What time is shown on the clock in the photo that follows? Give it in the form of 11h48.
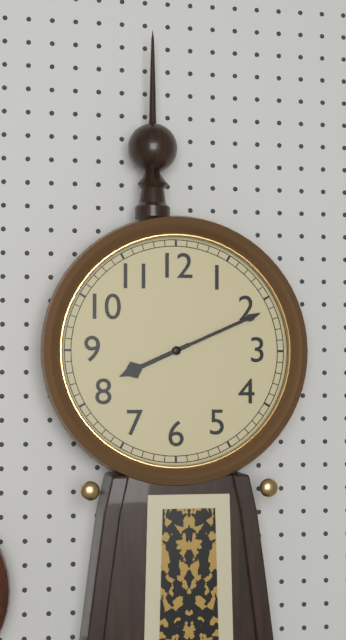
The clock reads 8h11
